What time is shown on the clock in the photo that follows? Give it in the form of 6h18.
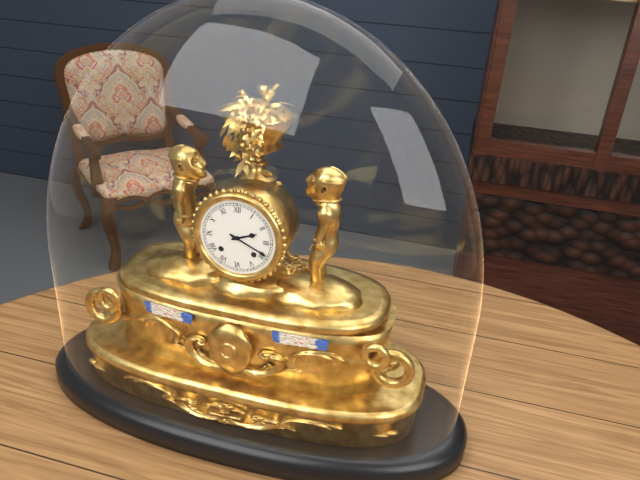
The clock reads 2h19
